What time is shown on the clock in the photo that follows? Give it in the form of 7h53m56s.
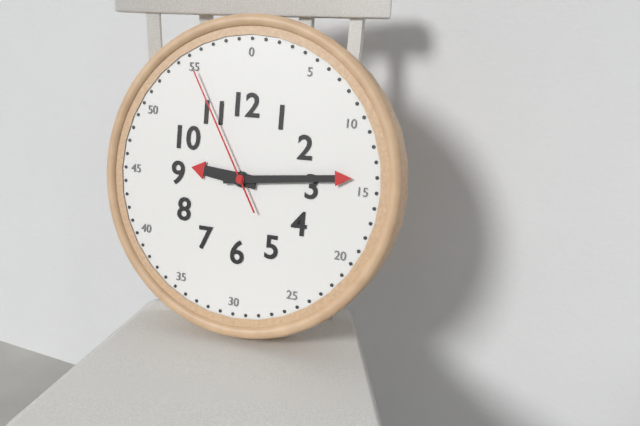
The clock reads 9h14m55s
